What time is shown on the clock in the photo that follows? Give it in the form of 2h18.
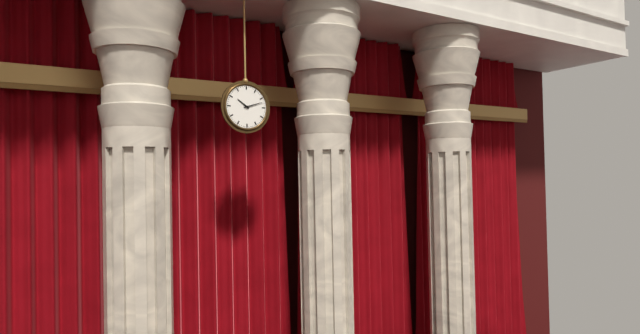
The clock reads 10h12
